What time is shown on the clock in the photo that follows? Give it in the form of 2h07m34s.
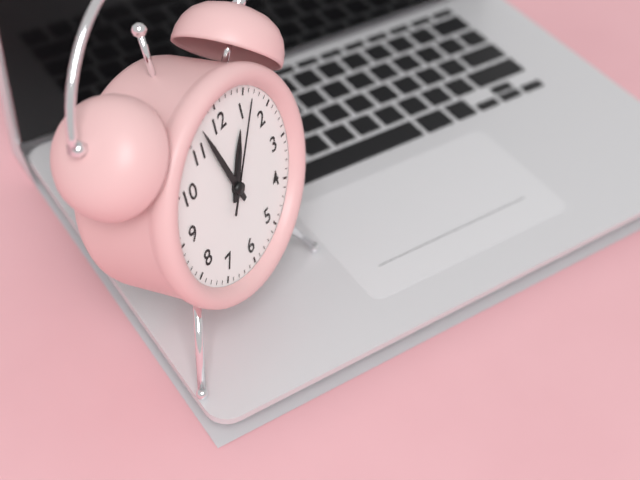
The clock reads 12h57m06s
